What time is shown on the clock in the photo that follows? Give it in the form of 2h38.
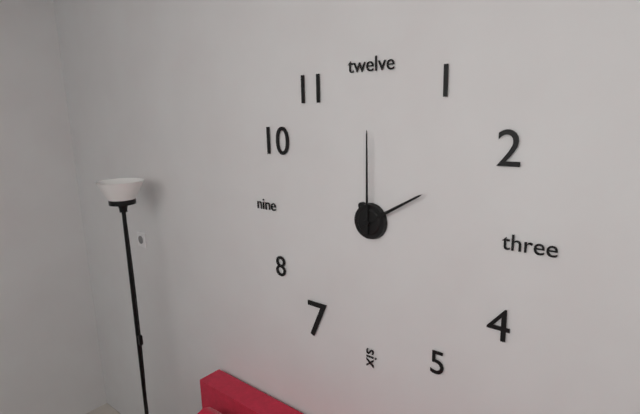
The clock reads 2h00
